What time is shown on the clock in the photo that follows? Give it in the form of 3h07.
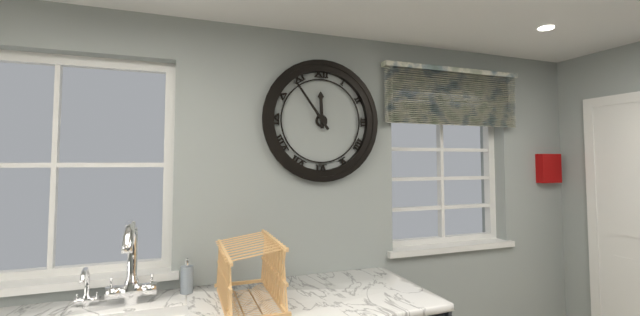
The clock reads 11h54
